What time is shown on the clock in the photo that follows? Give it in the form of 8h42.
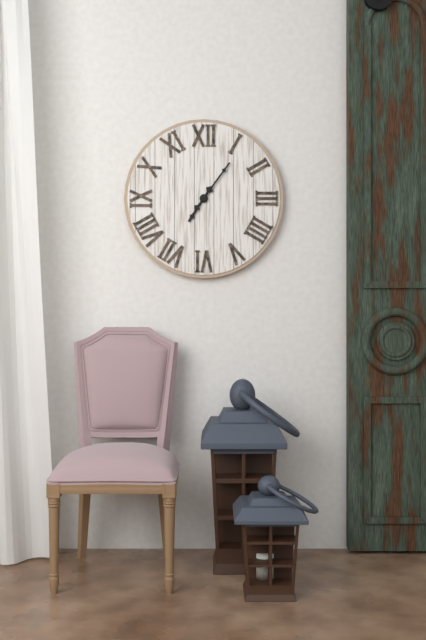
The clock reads 7h06
